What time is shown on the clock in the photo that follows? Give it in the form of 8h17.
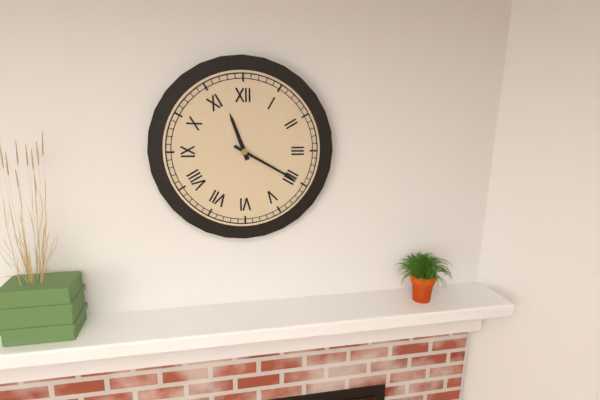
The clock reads 11h20
